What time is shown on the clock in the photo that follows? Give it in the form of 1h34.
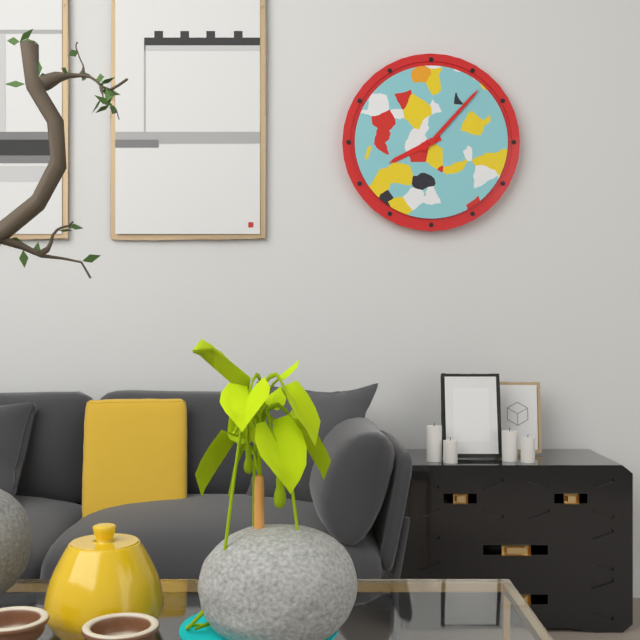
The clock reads 8h07
